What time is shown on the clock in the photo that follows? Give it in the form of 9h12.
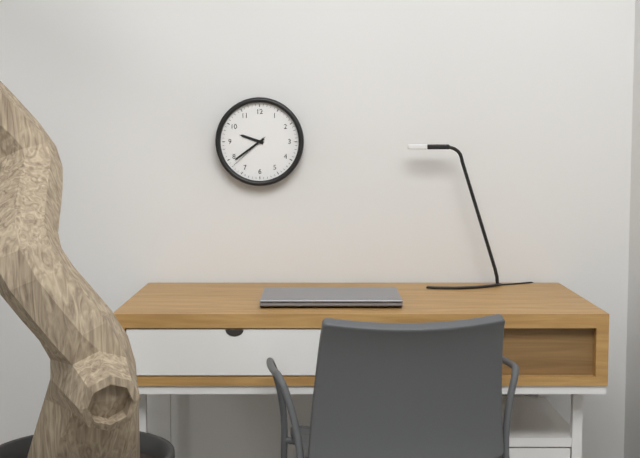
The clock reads 9h39
